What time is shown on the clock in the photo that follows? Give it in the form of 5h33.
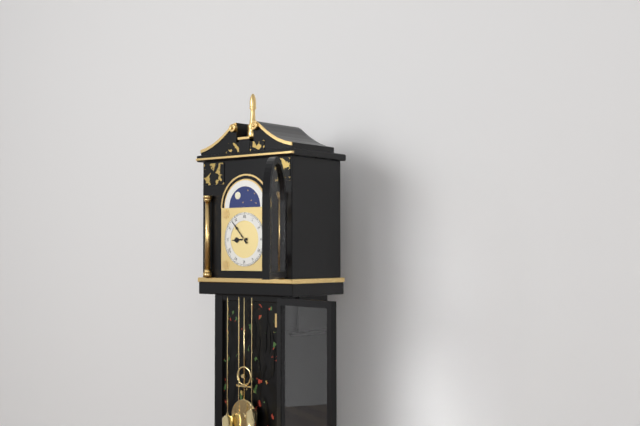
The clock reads 8h53
